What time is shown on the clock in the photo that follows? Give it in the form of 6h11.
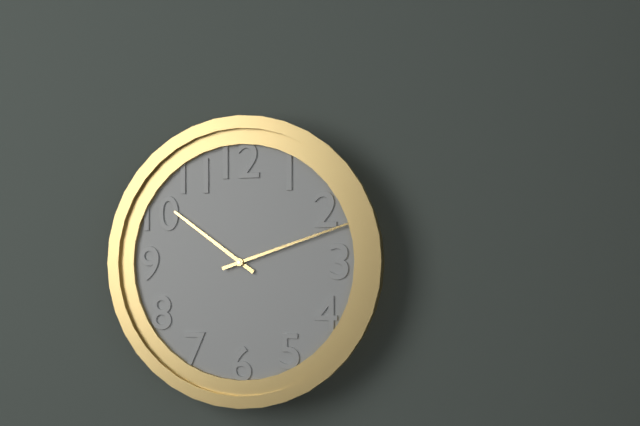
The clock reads 10h12
